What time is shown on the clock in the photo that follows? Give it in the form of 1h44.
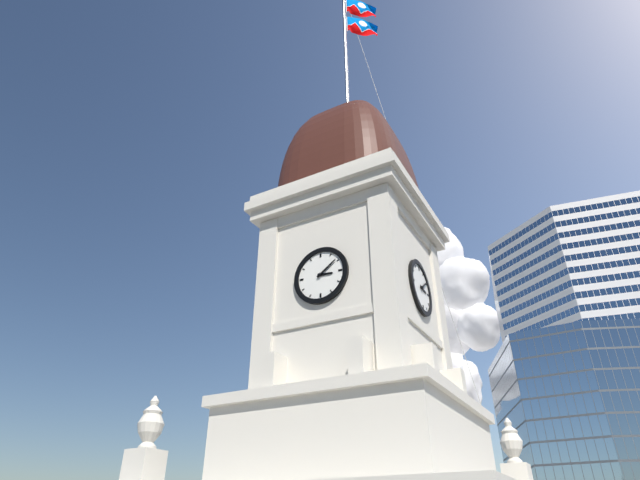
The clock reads 3h09
